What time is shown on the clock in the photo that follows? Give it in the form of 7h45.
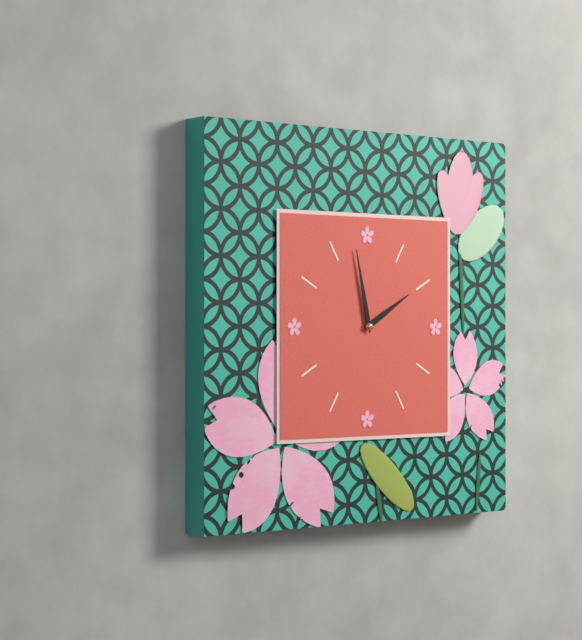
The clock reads 1h58
